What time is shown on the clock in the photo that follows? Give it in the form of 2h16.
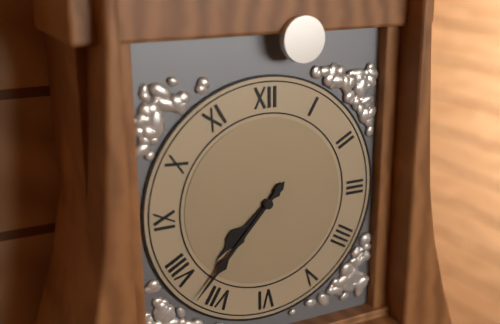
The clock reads 7h37
